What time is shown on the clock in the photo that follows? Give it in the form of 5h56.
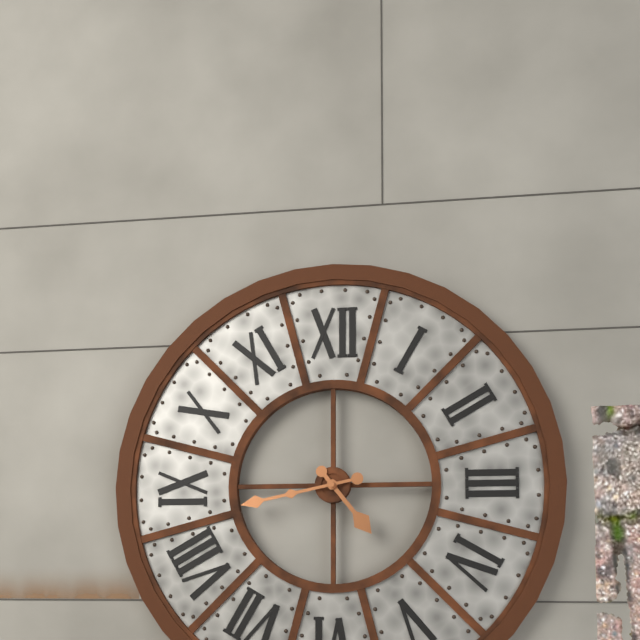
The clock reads 4h43
